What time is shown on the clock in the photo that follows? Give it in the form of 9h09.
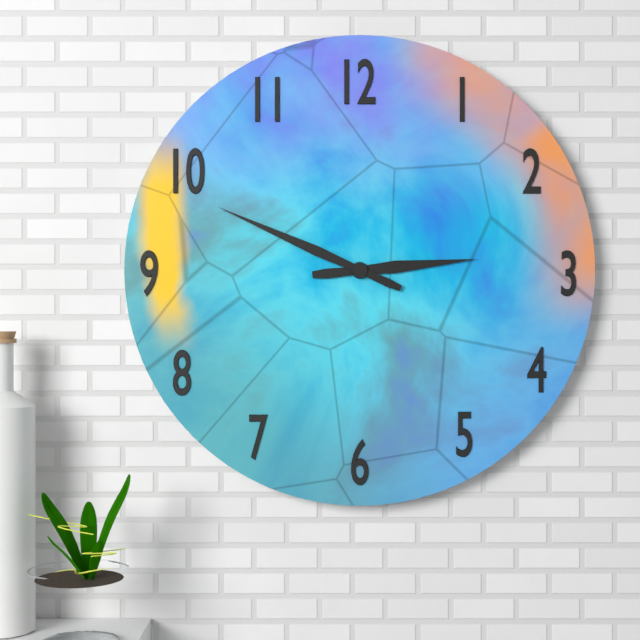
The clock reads 2h49
